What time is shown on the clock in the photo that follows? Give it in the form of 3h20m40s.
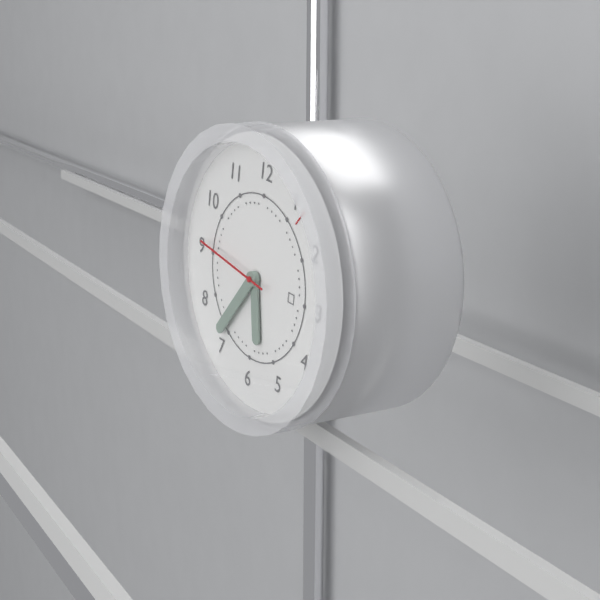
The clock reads 5h36m46s
